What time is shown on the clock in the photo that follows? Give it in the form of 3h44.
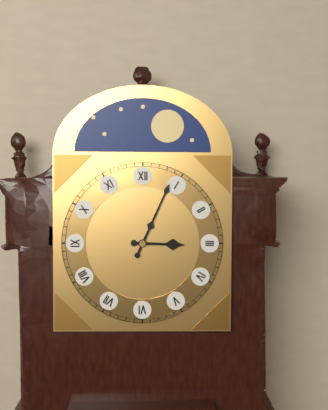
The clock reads 3h04
